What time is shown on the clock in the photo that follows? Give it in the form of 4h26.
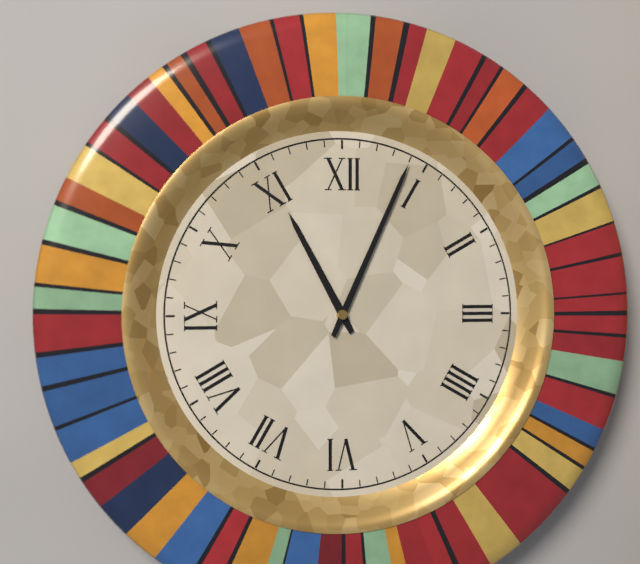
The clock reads 11h04
